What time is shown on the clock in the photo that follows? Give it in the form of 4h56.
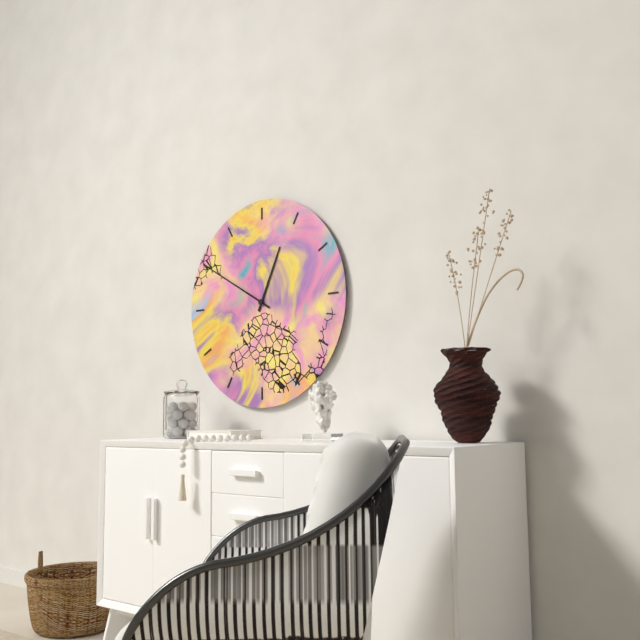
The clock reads 12h50
